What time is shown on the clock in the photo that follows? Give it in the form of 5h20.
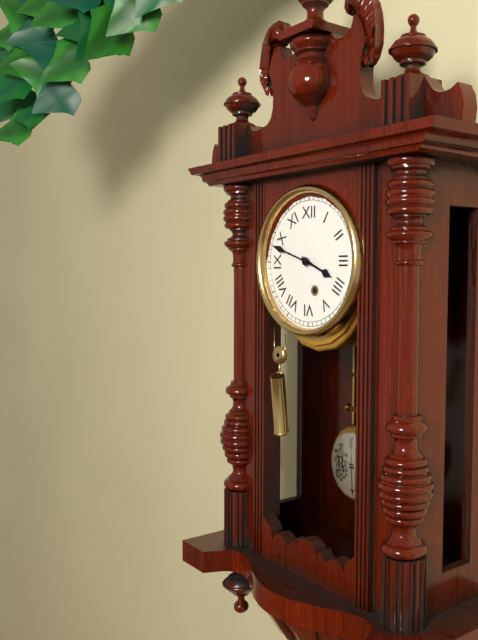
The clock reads 3h48
